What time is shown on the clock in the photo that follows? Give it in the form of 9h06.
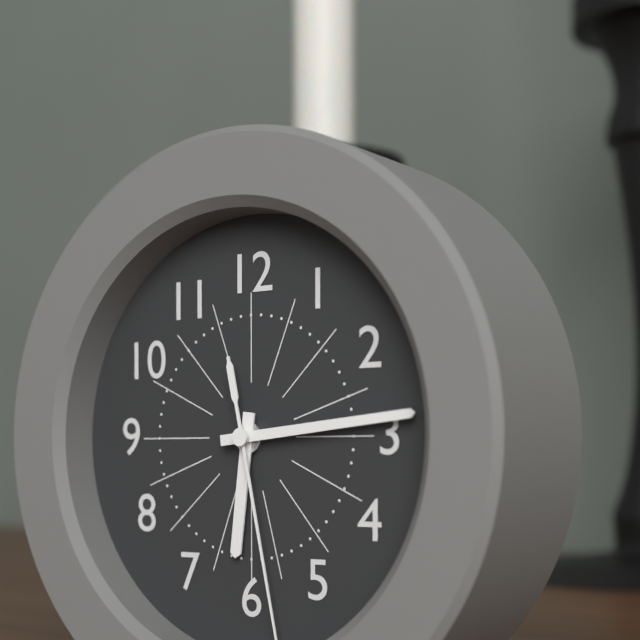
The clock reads 6h14
